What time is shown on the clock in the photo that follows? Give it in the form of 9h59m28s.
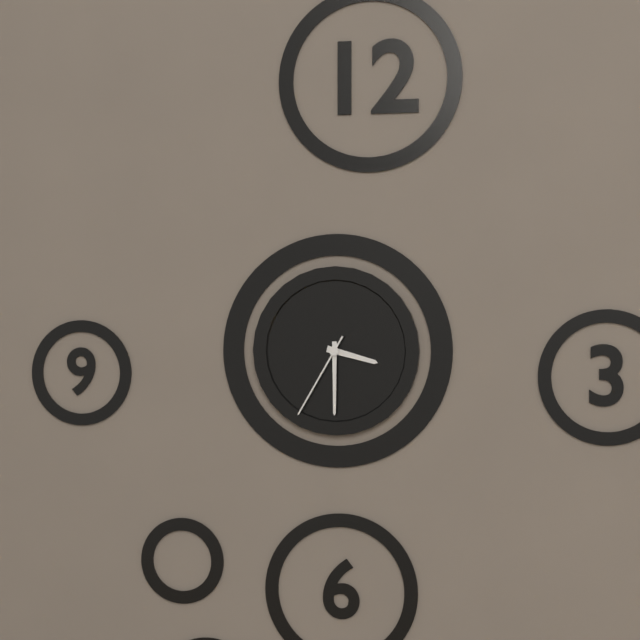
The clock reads 3h30m35s
